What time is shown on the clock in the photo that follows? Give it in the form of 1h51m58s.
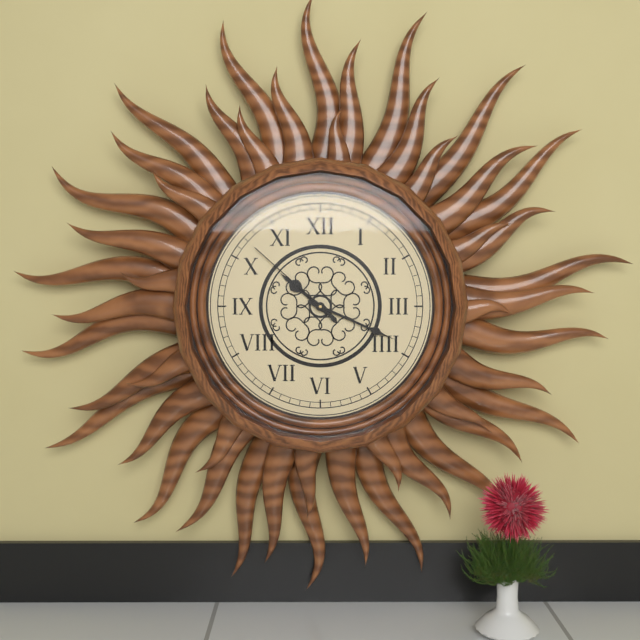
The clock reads 10h19m52s
